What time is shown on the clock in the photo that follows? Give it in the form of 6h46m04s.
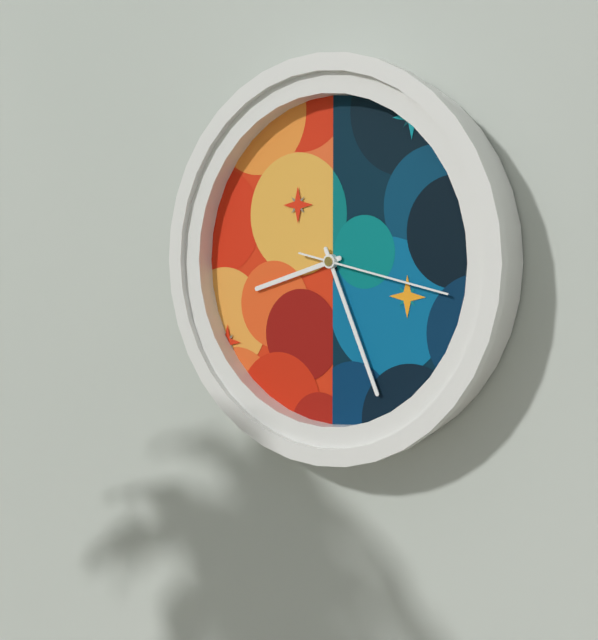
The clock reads 8h26m17s
